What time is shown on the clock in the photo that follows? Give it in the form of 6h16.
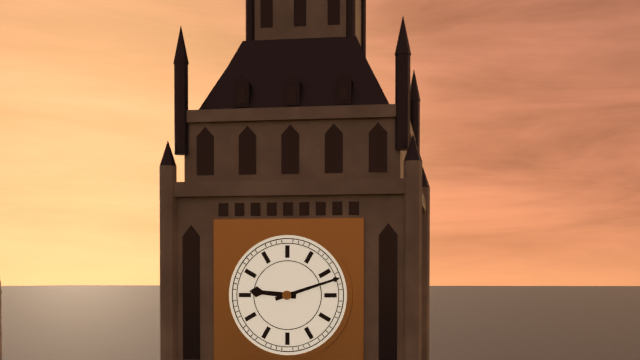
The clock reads 9h12
